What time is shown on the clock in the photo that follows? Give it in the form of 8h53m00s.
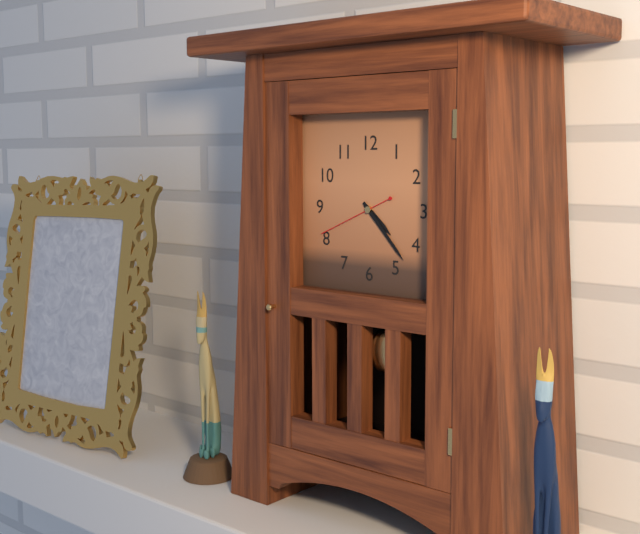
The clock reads 4h23m41s
